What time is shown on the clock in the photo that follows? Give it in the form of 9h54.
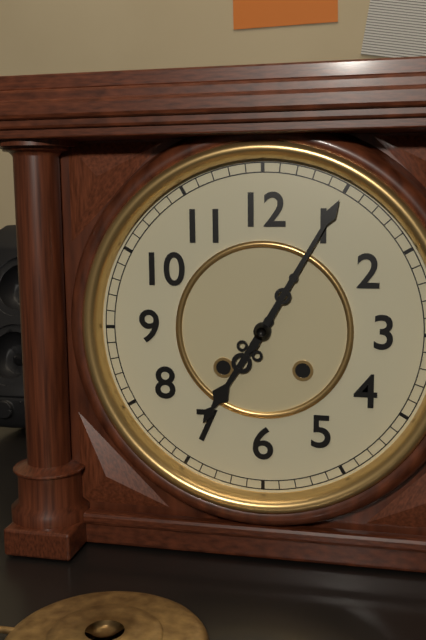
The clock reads 7h05
